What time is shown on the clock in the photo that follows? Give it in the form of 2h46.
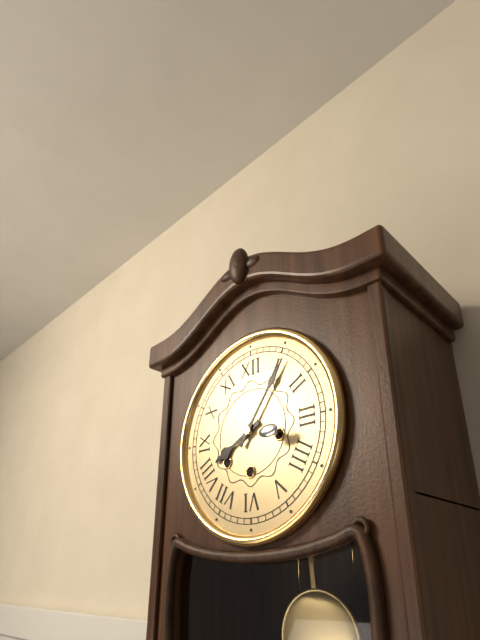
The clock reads 8h06
